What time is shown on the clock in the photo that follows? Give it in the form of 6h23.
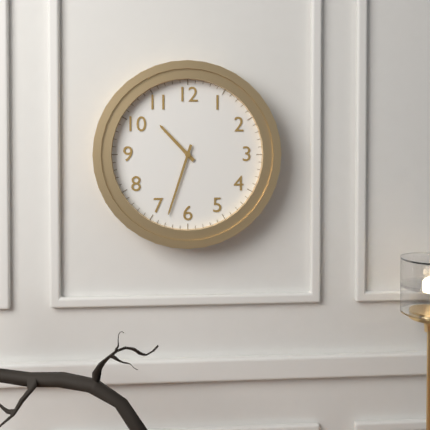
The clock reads 10h33
